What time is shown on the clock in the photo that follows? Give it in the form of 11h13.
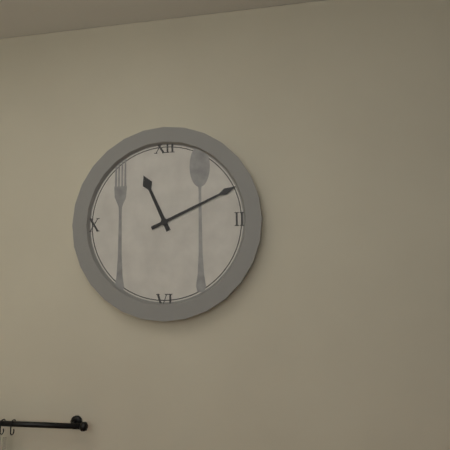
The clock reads 11h11
